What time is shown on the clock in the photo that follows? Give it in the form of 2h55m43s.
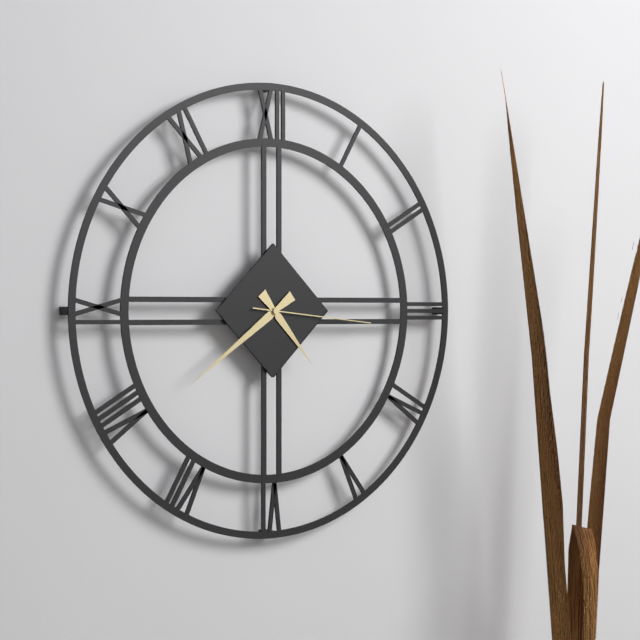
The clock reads 4h39m16s
